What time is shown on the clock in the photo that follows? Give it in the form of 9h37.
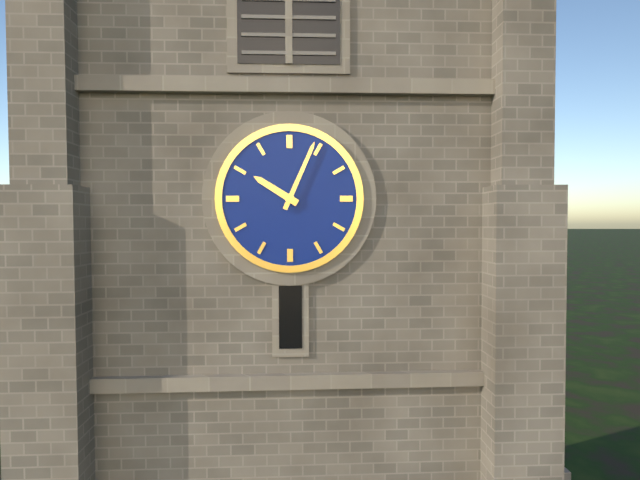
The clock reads 10h04
